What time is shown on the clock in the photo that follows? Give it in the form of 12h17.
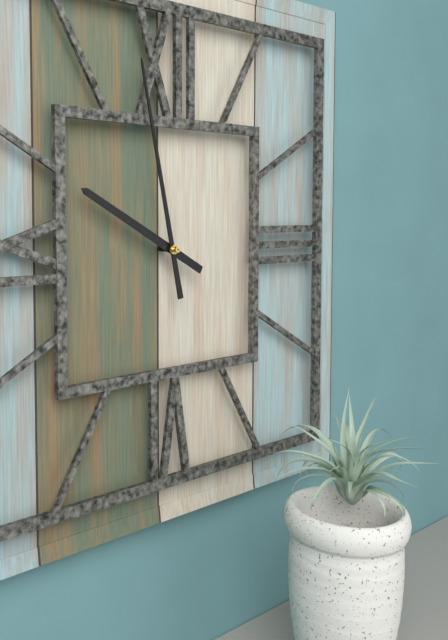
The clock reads 9h58
